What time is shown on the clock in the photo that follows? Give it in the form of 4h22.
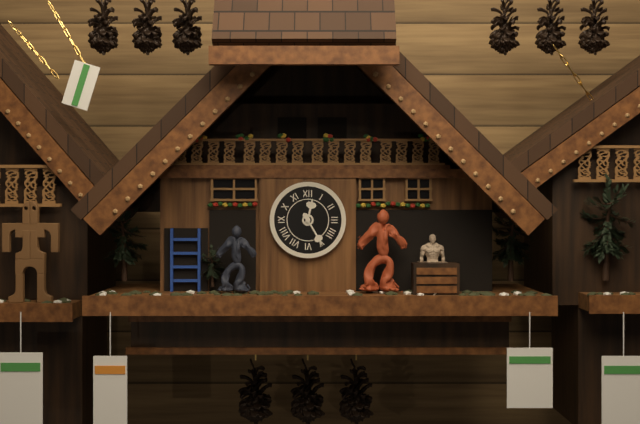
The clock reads 12h25
